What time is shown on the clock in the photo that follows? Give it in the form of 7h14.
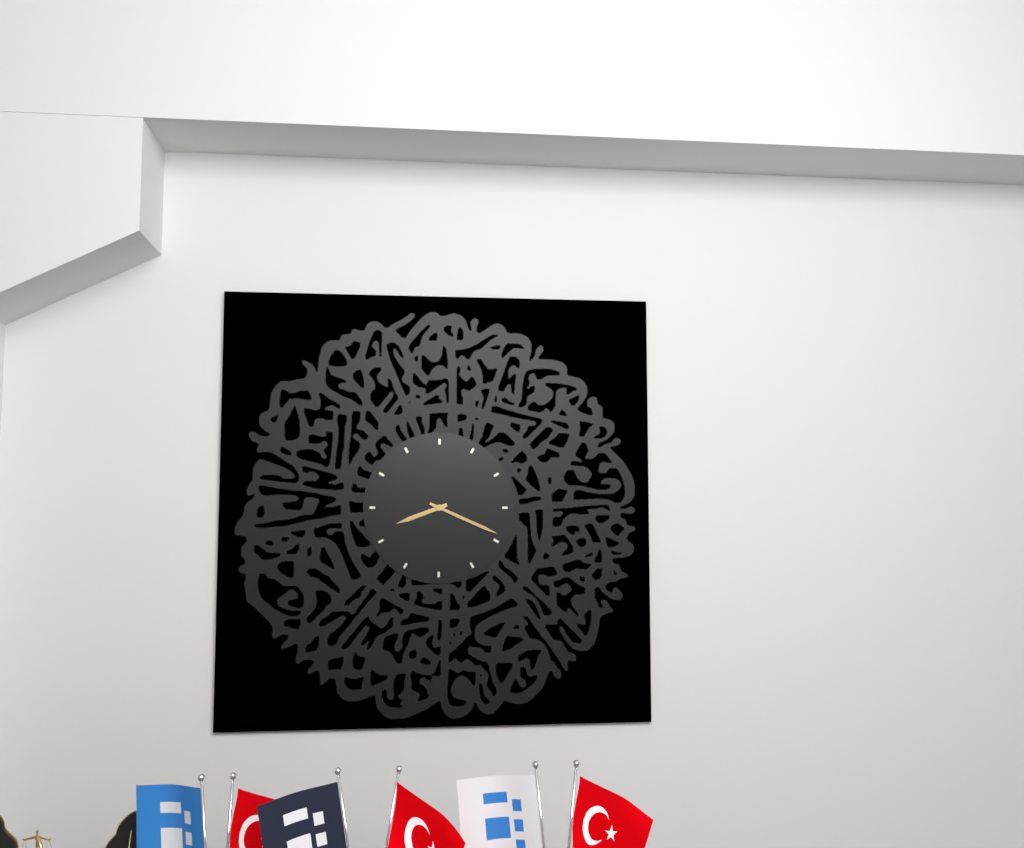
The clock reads 8h19
